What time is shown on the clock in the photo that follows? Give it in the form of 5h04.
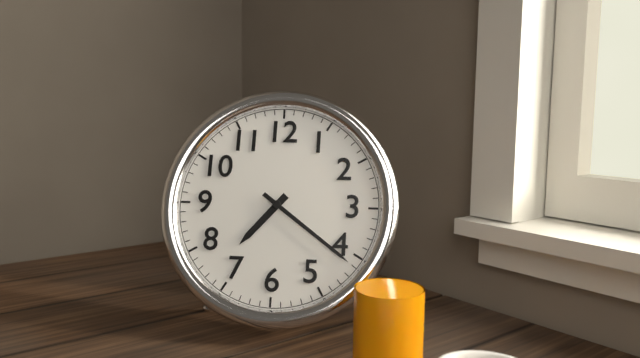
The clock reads 7h21
